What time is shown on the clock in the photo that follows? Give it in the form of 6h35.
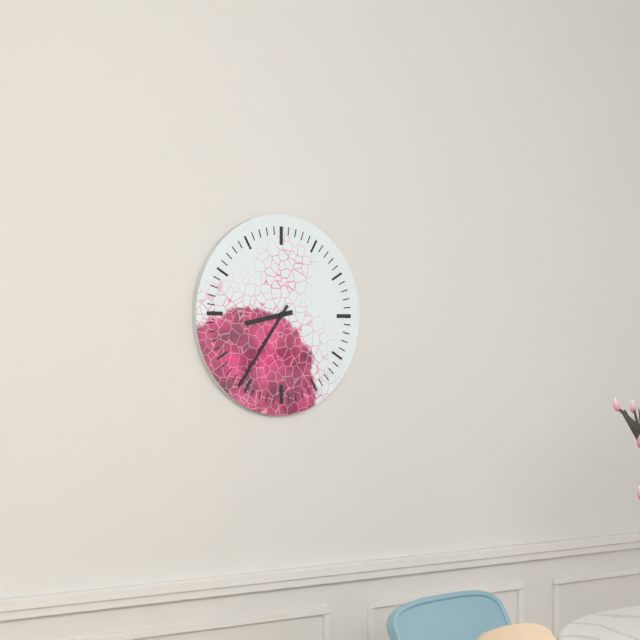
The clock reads 8h36
